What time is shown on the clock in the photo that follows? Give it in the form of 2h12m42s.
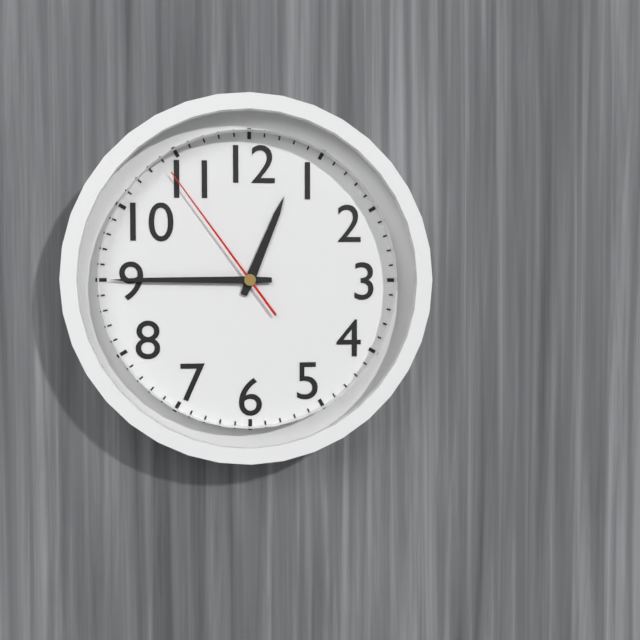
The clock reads 12h45m54s
